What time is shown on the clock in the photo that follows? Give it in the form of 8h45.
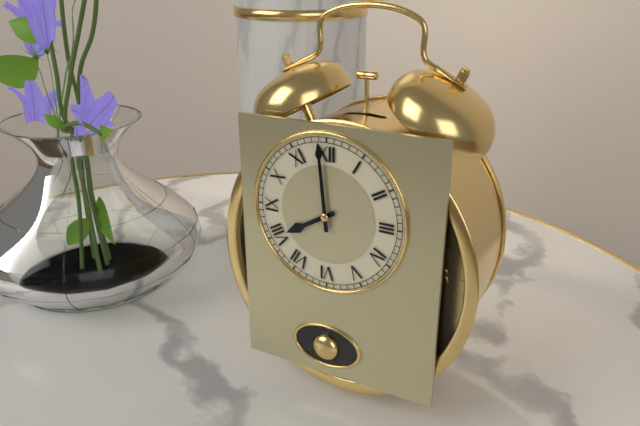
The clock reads 7h59
